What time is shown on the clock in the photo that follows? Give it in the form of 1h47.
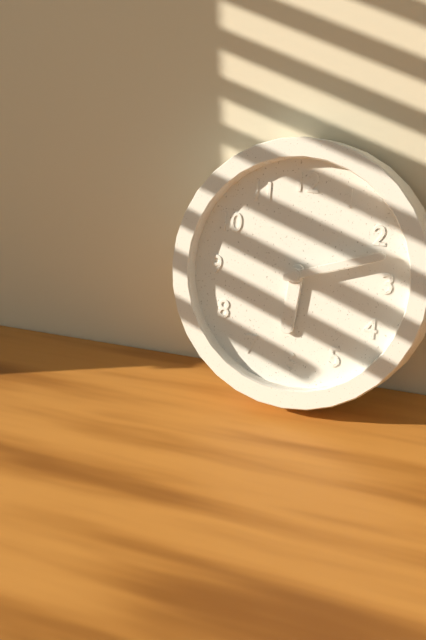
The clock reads 6h12
